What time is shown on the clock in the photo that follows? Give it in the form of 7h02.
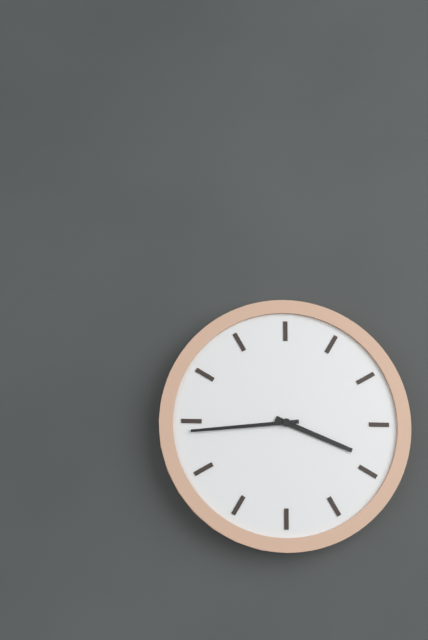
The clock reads 3h44
